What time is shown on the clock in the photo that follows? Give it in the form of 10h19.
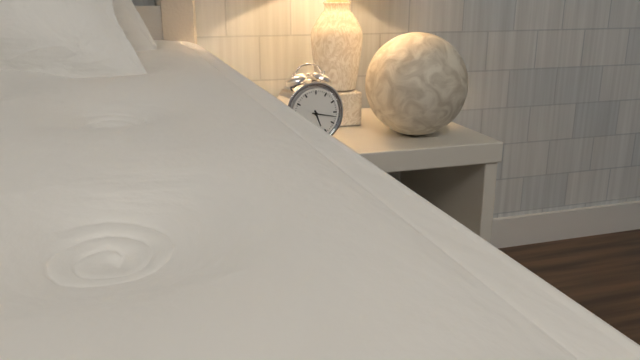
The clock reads 5h17
